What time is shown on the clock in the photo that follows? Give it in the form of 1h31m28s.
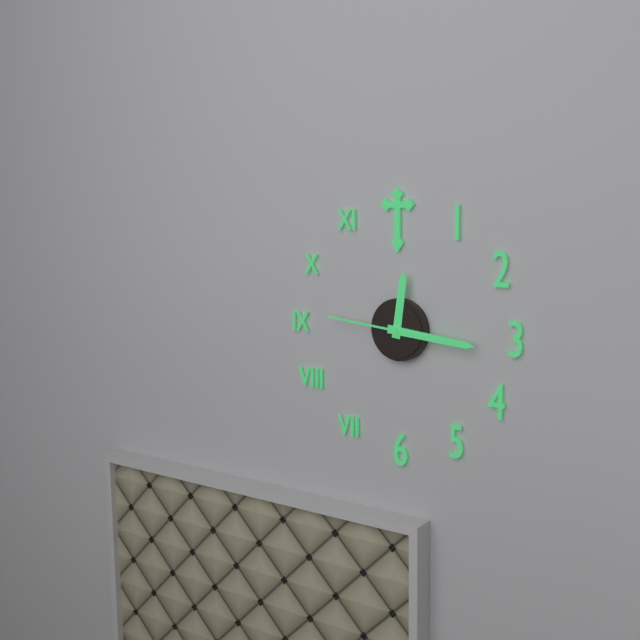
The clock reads 12h16m46s
